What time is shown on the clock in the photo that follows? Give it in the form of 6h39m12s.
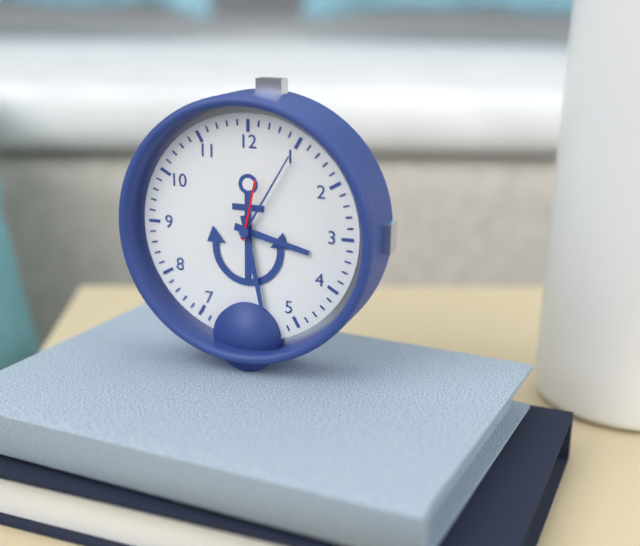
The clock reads 3h28m02s
